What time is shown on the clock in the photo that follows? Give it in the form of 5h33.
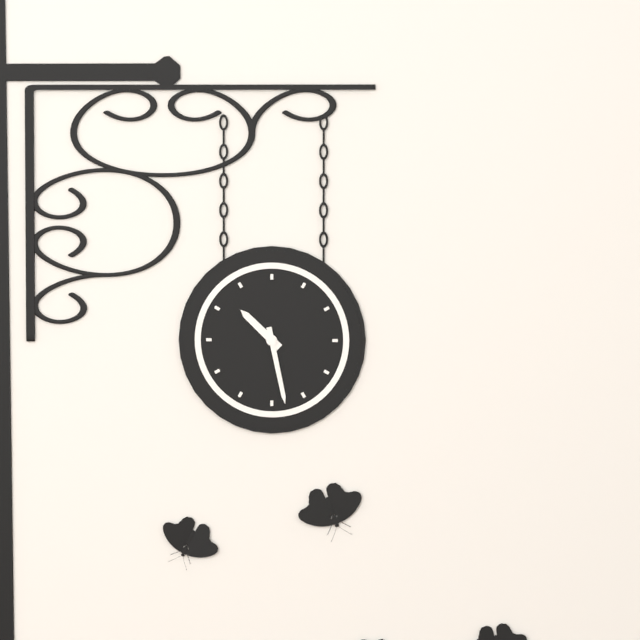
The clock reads 10h28
